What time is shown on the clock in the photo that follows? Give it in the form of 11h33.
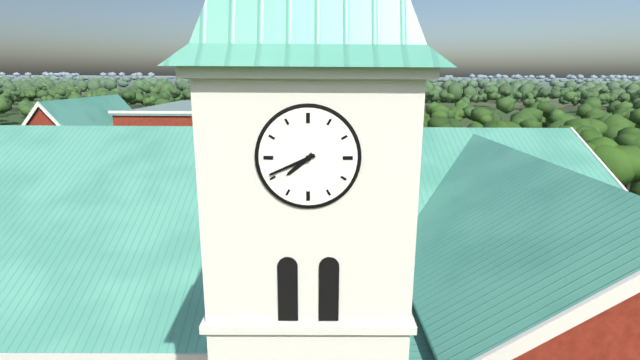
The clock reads 7h41
